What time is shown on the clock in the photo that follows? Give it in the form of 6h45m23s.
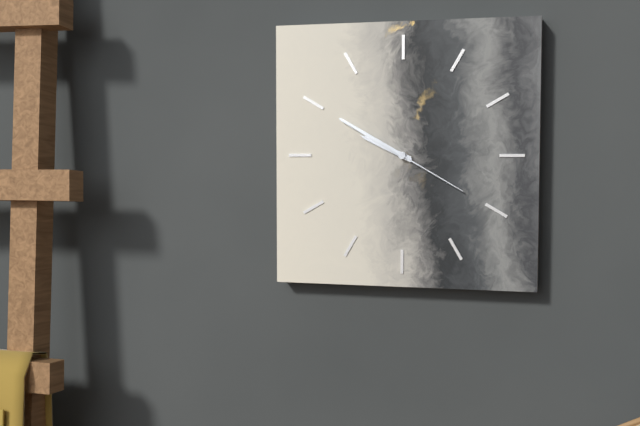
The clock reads 9h50m20s
